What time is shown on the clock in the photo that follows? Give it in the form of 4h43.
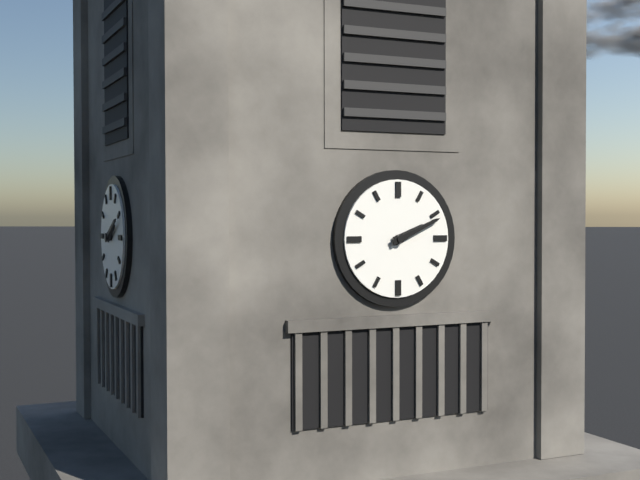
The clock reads 2h11
